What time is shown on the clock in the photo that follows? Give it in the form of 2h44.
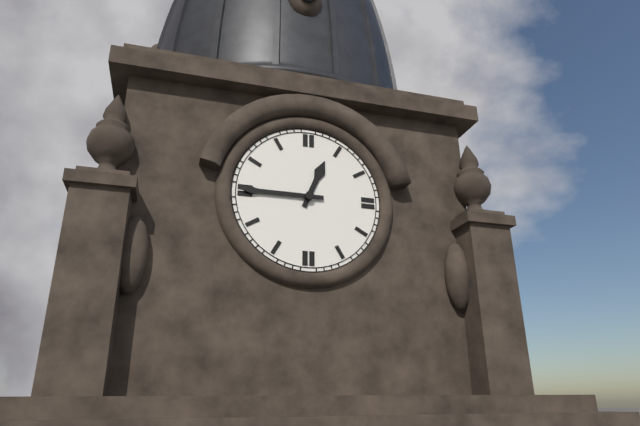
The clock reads 12h45
